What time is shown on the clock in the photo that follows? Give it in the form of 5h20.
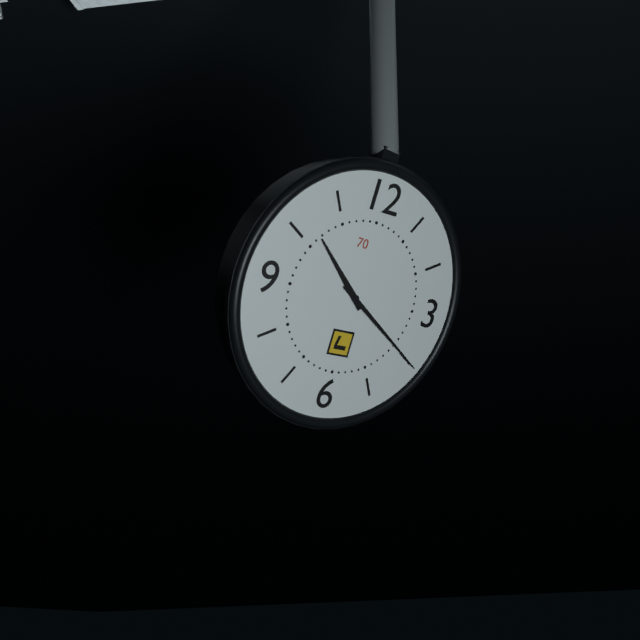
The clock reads 10h20
